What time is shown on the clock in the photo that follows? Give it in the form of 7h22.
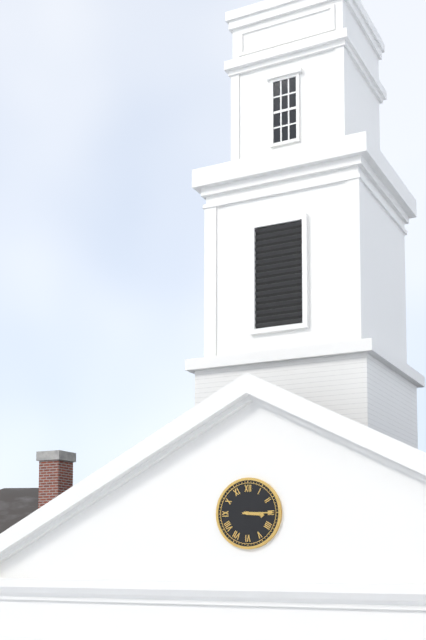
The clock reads 3h15
